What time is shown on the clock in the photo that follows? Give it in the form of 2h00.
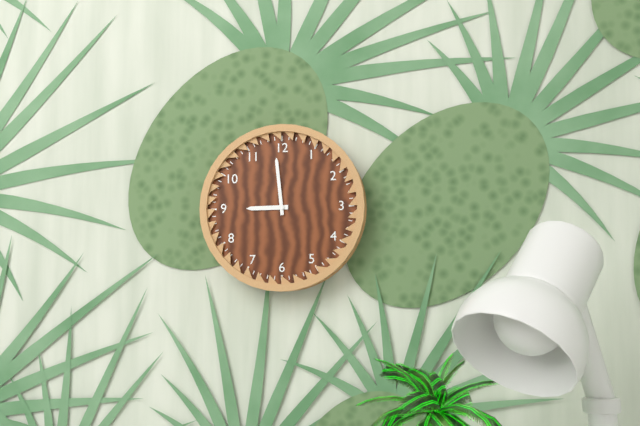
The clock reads 8h59
